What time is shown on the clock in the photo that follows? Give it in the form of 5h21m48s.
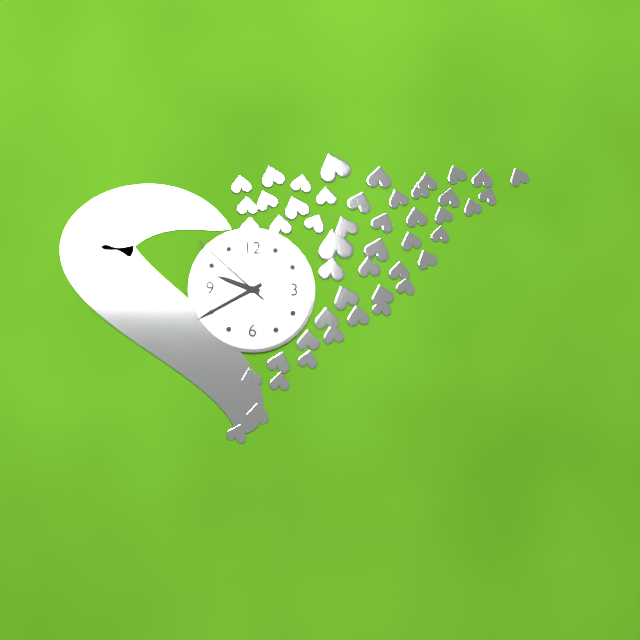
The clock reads 9h40m52s
